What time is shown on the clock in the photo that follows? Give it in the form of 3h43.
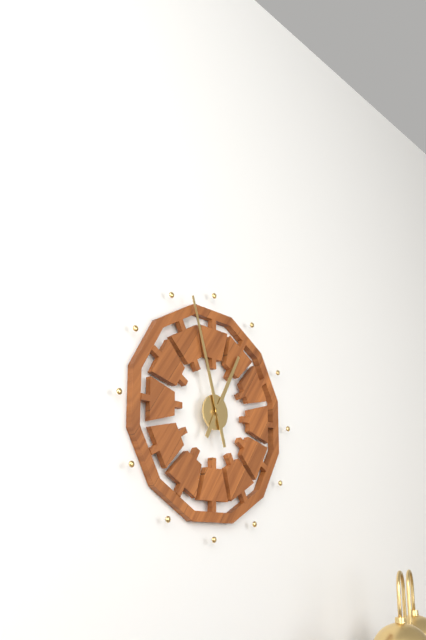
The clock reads 12h57
